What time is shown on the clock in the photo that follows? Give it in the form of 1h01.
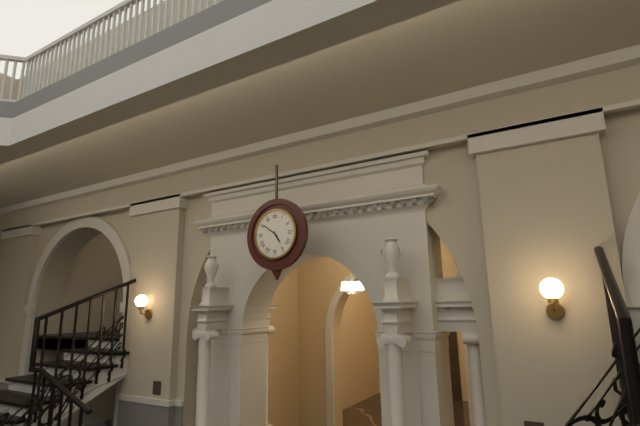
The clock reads 4h51
